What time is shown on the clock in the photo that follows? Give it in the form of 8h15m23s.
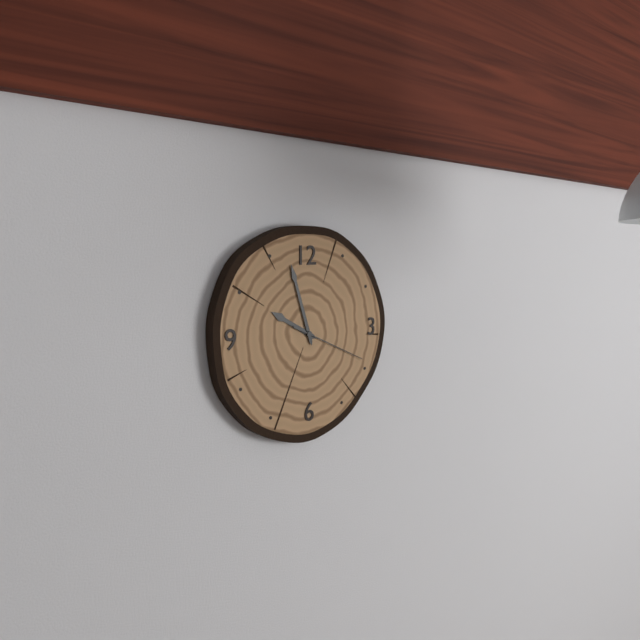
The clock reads 9h57m19s
